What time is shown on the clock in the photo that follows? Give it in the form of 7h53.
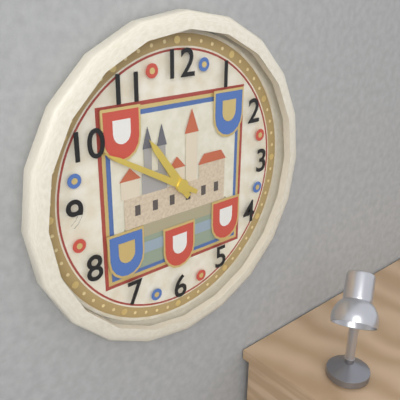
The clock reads 10h50
